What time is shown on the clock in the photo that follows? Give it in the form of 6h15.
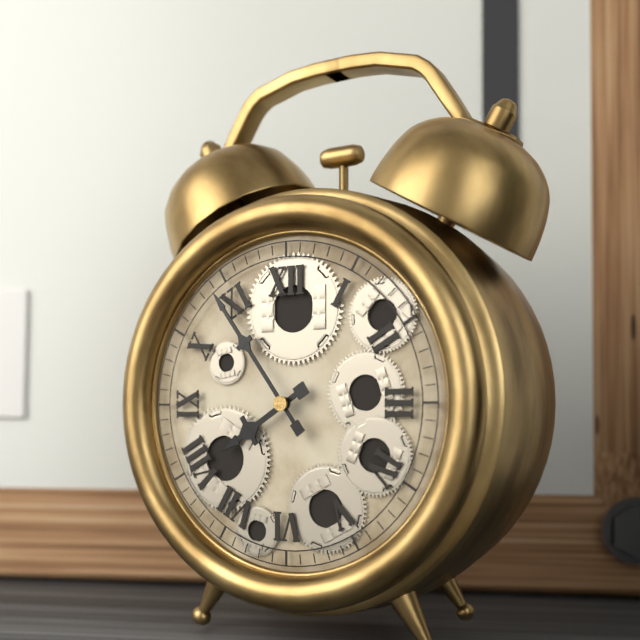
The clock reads 7h54
